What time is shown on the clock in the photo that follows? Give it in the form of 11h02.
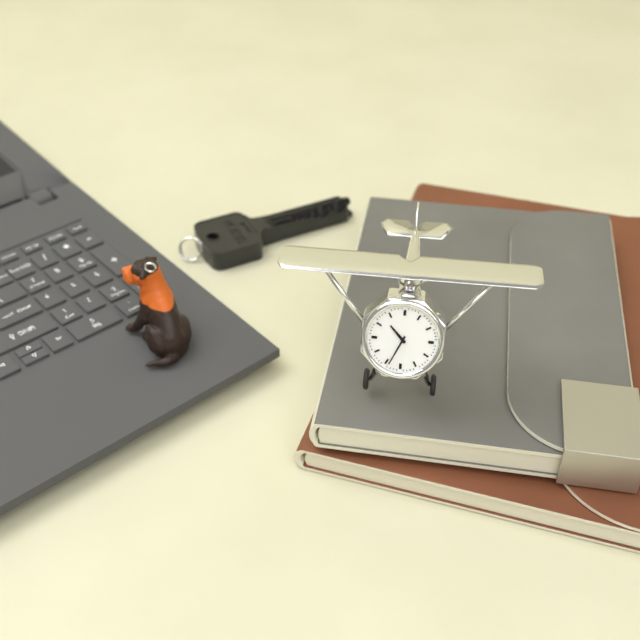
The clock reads 10h34
